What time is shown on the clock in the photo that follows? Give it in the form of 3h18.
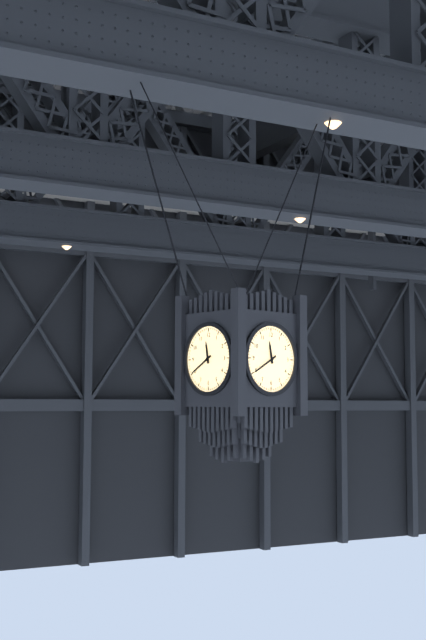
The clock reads 11h40
